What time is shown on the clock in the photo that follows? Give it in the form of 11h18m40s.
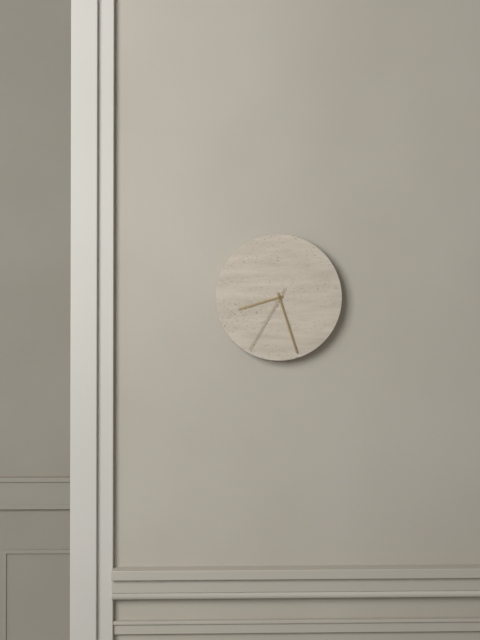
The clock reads 8h27m35s
